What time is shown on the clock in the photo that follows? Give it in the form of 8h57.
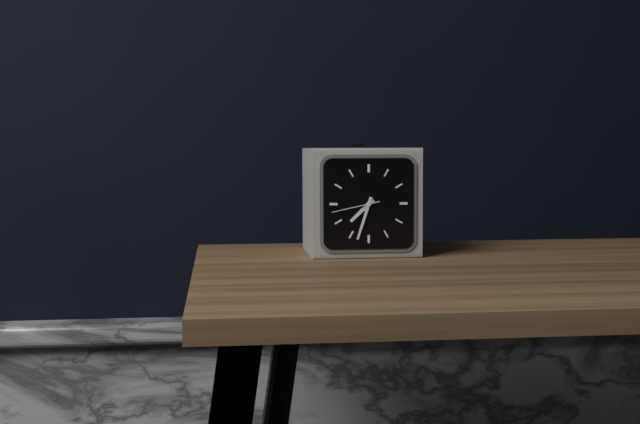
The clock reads 7h33
